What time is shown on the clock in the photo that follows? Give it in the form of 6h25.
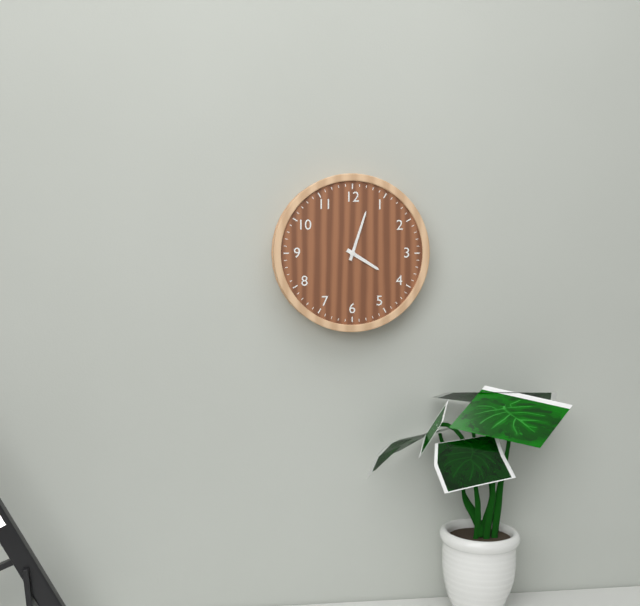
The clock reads 4h03
